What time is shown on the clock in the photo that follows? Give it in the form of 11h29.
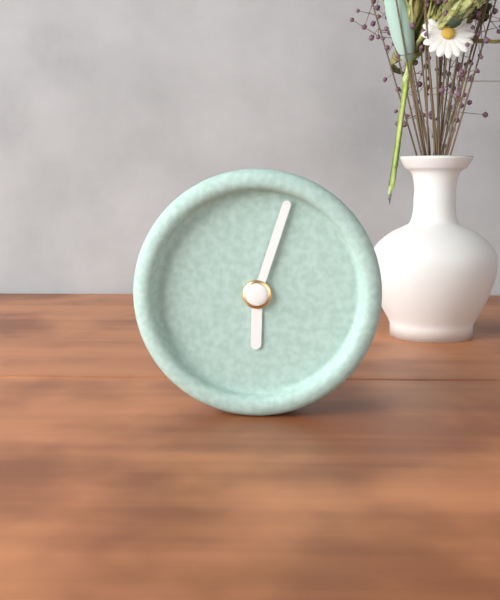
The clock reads 6h03
